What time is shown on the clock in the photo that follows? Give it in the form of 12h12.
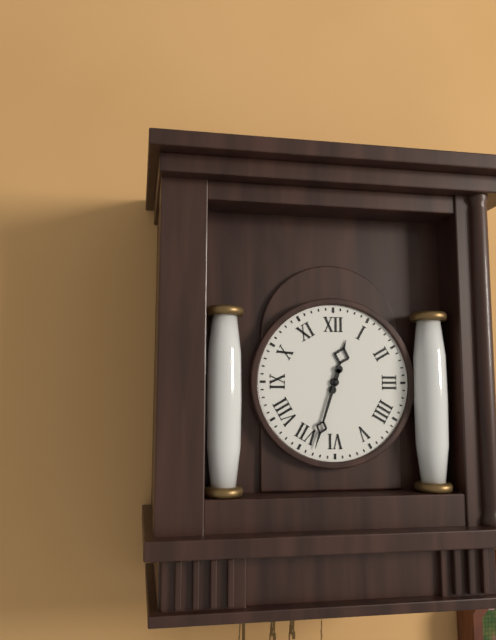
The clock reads 12h33
